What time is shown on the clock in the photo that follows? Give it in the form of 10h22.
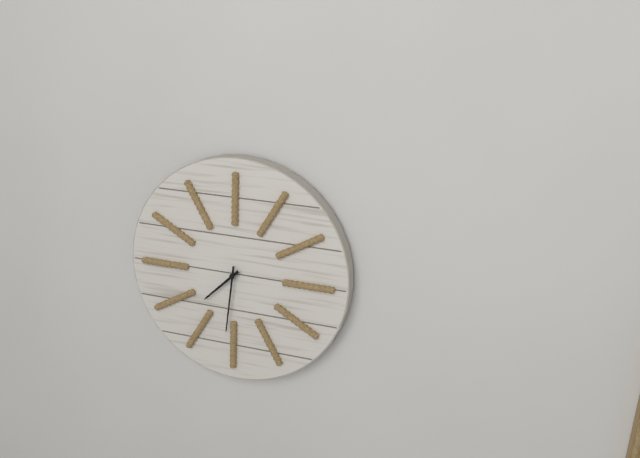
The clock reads 7h31
